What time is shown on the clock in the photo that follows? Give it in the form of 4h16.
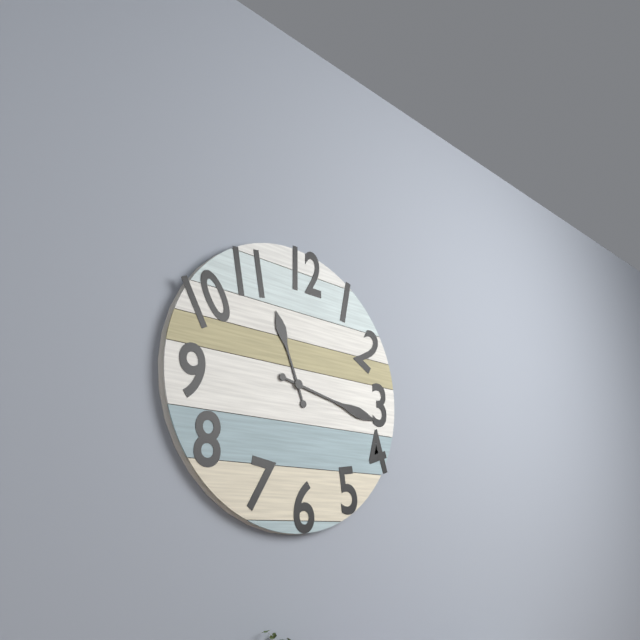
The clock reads 11h17
